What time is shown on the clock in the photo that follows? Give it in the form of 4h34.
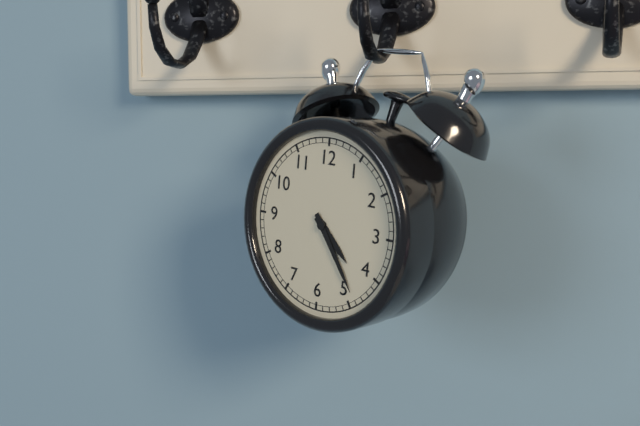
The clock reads 4h24
